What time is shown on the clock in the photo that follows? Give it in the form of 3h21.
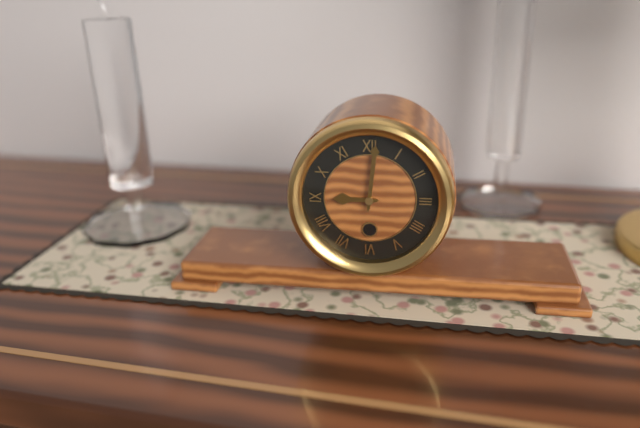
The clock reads 9h01
